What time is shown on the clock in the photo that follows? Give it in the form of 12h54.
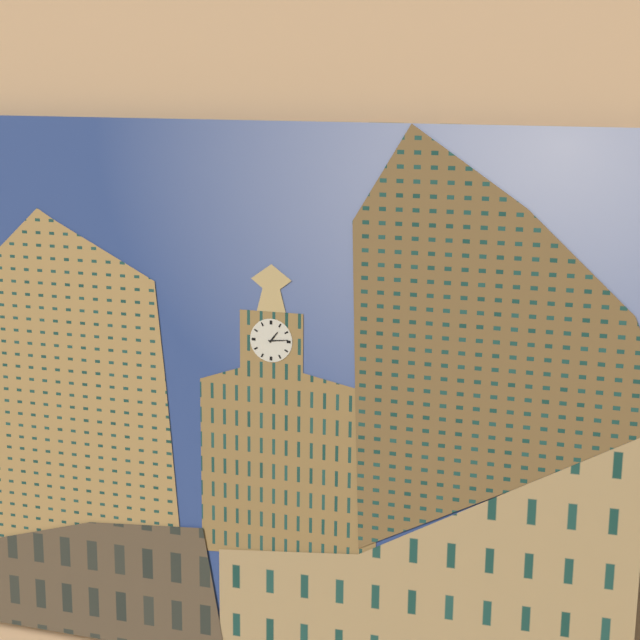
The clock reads 1h14
